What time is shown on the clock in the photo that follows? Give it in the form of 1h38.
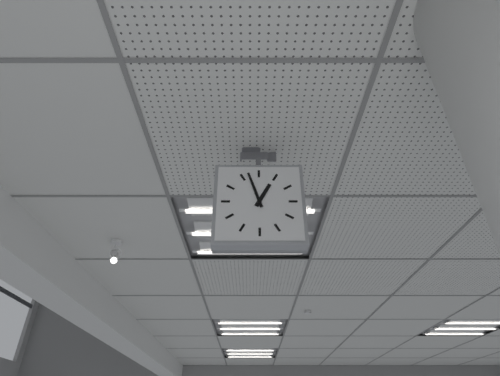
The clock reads 12h57
